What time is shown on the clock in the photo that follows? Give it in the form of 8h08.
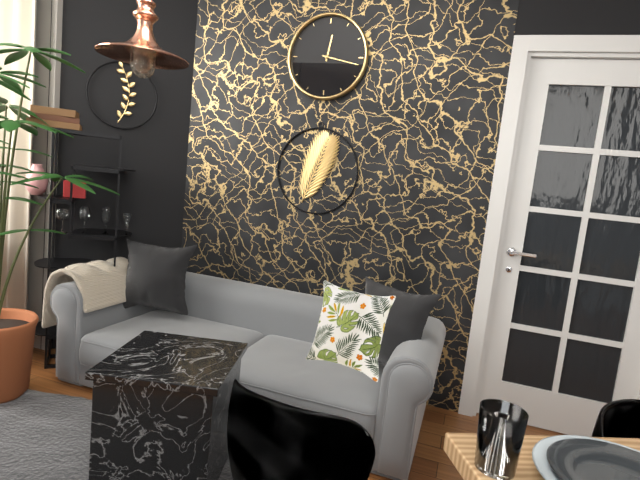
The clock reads 12h17
